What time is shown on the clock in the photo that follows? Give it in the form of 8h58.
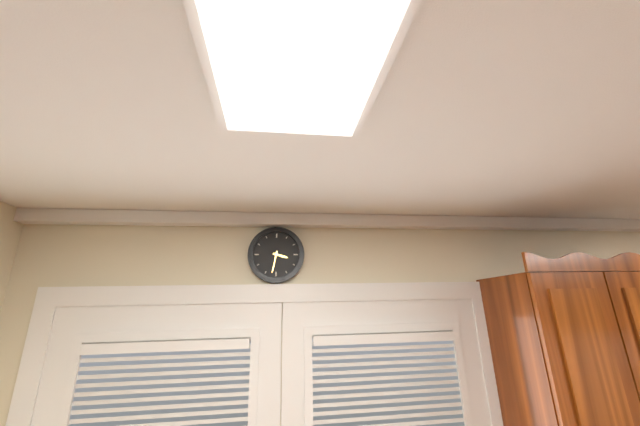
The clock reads 3h32
